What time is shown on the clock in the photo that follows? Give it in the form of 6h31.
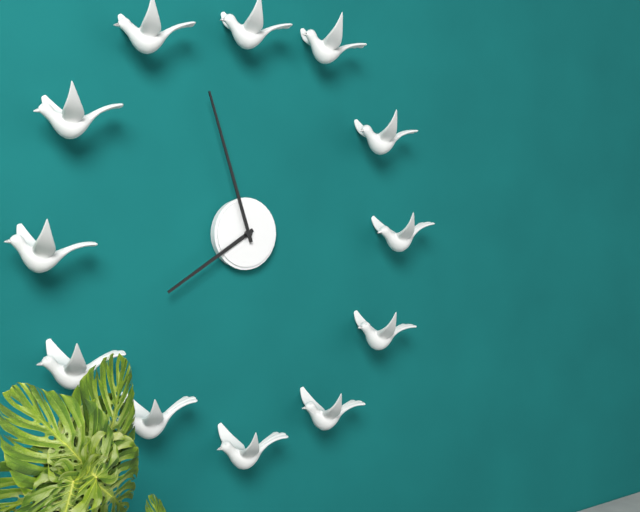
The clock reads 7h57
